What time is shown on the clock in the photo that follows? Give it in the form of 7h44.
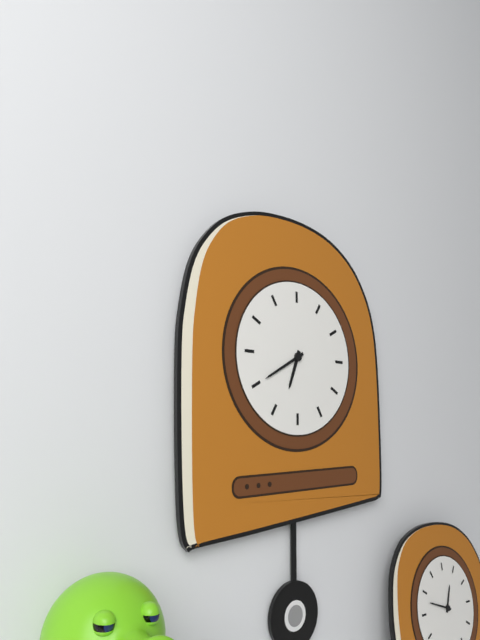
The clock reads 6h40
